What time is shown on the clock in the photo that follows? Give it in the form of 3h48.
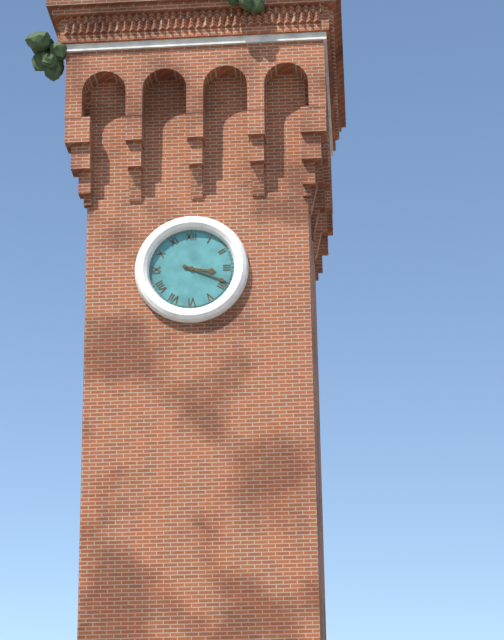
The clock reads 3h19
